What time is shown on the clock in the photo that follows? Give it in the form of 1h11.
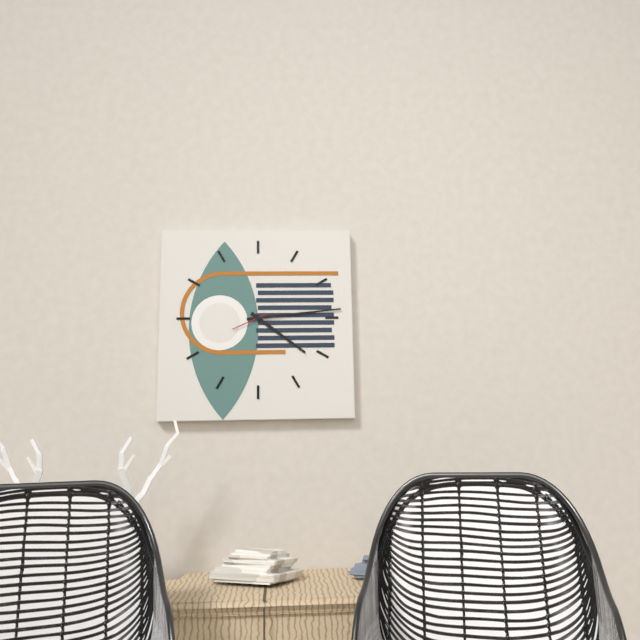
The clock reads 4h14
